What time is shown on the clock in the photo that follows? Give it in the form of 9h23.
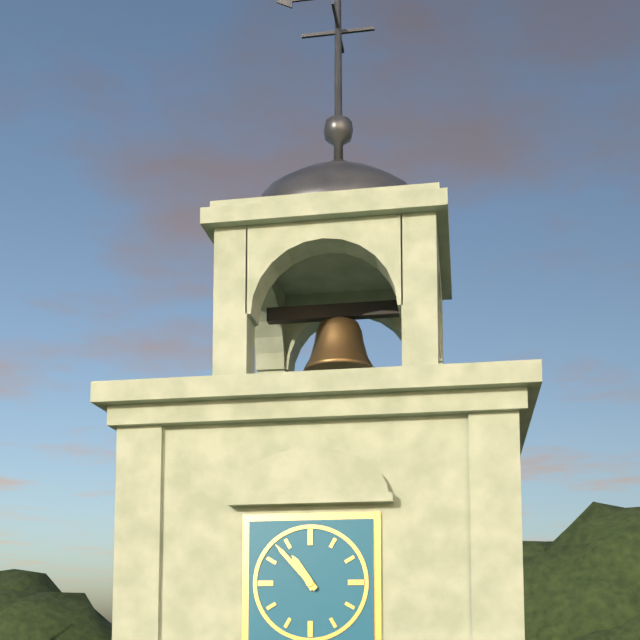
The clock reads 10h53
